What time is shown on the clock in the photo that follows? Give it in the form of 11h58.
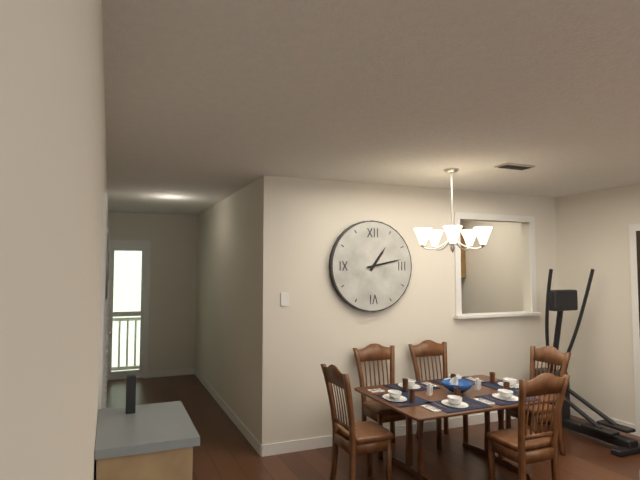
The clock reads 1h13
